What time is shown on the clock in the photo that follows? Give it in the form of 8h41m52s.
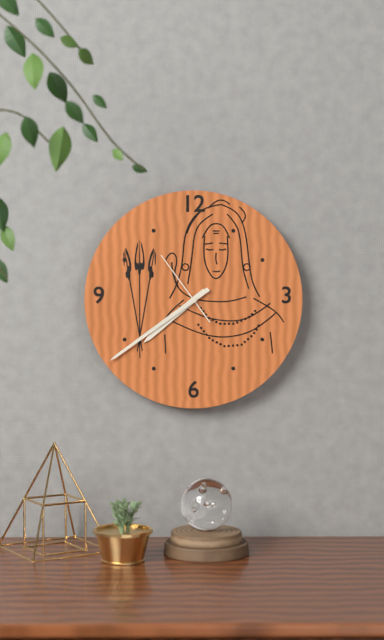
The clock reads 7h39m54s
